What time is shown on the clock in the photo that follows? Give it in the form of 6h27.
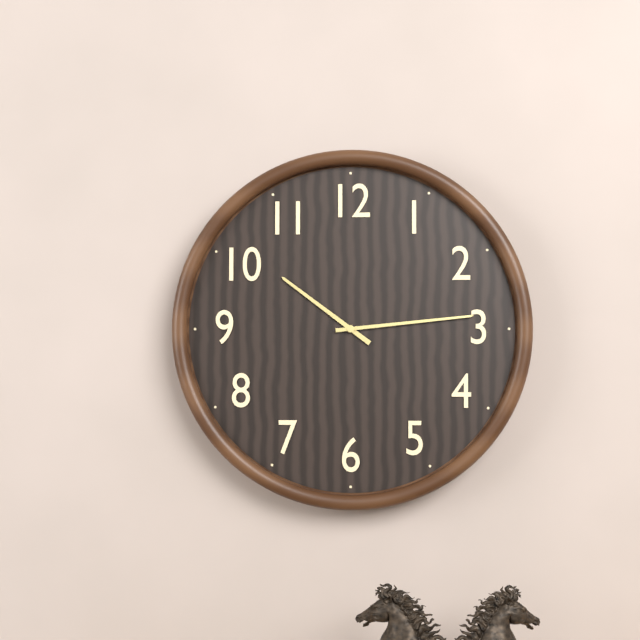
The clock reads 10h14
